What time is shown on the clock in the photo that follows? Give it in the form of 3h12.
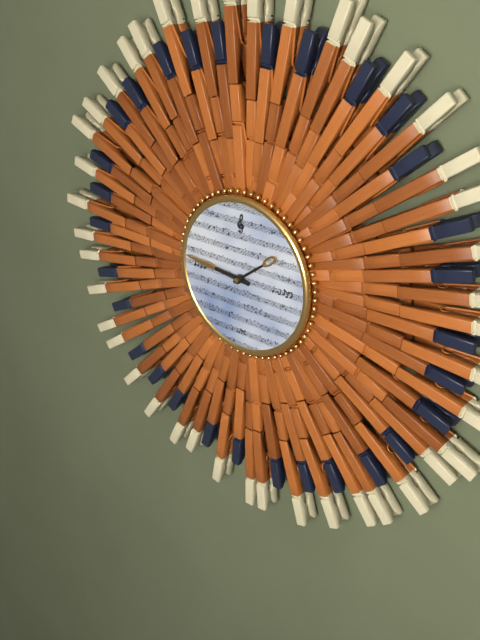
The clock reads 1h46
